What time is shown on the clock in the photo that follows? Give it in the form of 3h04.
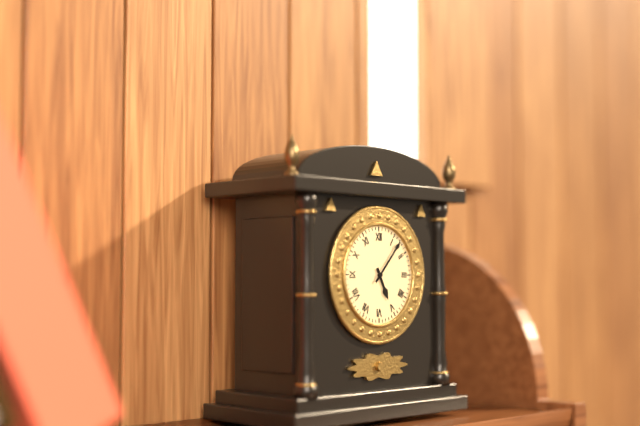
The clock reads 5h07
